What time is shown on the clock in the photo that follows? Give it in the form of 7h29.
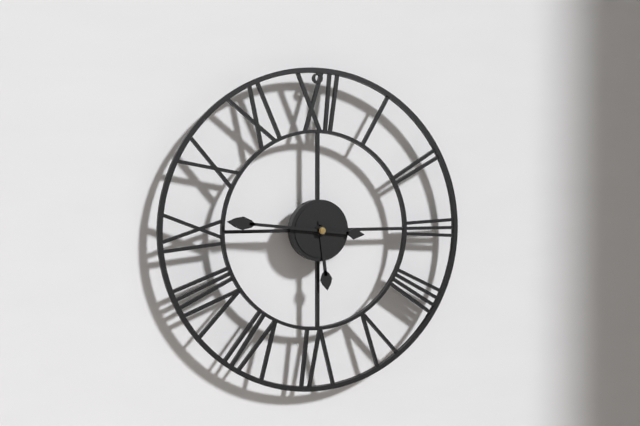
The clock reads 5h46
